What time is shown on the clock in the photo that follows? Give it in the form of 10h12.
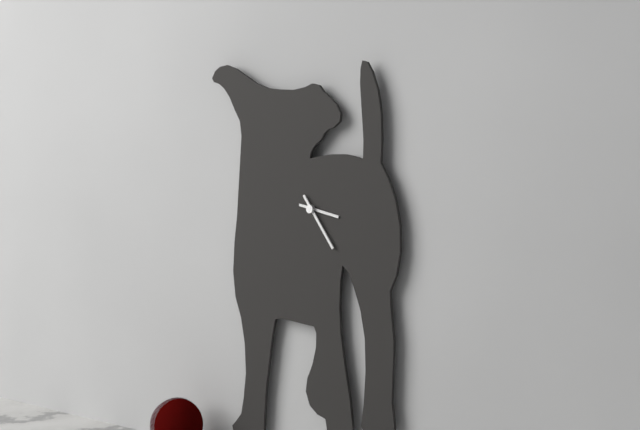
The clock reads 3h24
